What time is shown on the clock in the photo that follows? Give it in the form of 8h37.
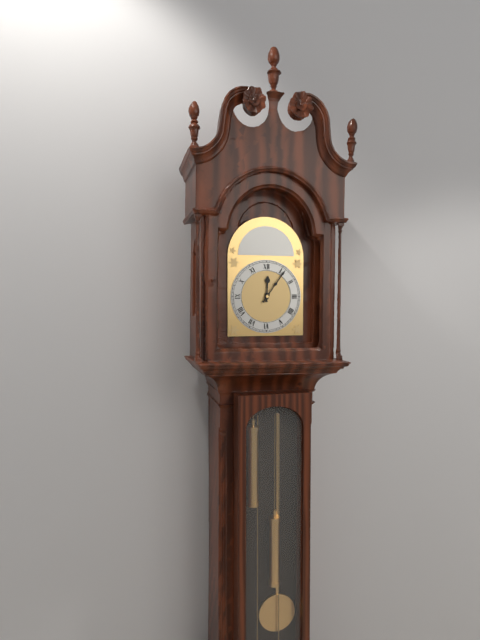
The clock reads 12h06
